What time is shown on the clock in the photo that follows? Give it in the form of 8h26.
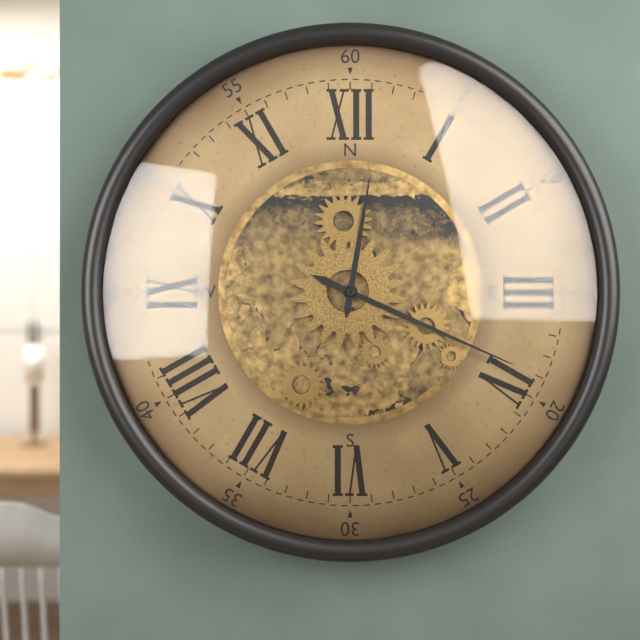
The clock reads 12h19
